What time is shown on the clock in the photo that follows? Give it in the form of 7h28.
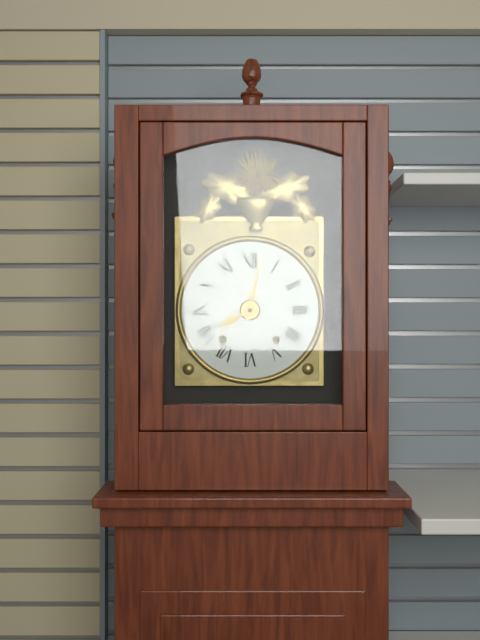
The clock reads 8h02
